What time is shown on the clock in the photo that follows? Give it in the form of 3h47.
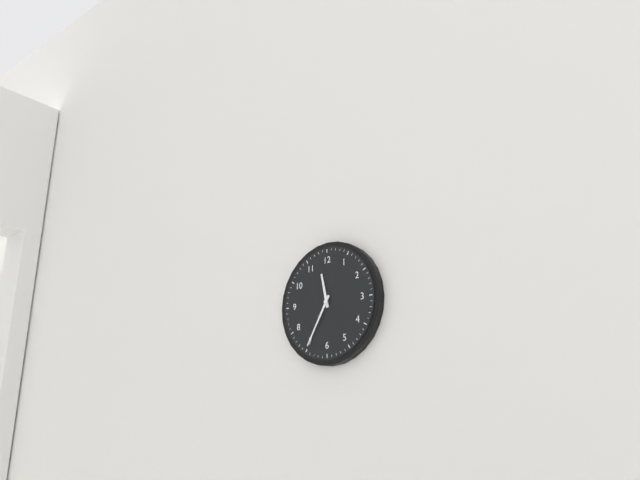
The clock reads 11h35
